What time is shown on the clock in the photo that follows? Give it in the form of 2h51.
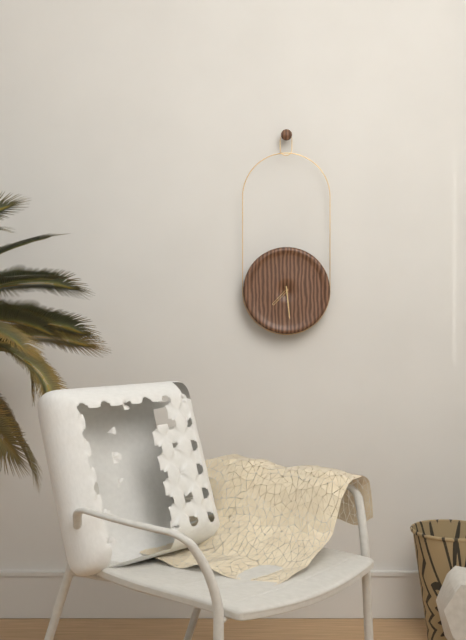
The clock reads 7h29
